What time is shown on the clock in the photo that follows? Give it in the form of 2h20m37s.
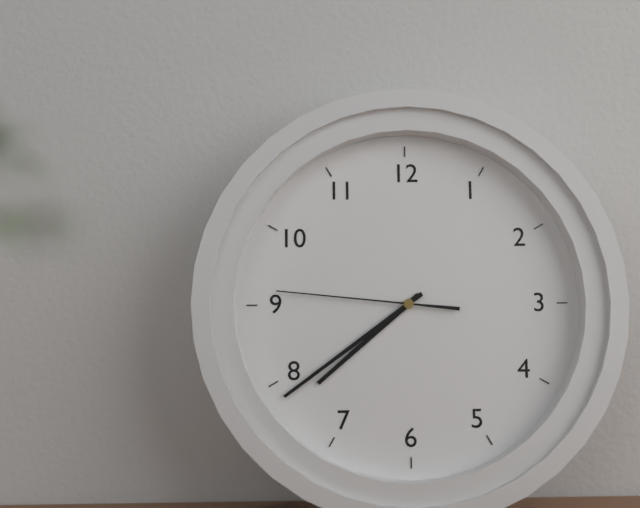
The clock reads 7h39m46s
